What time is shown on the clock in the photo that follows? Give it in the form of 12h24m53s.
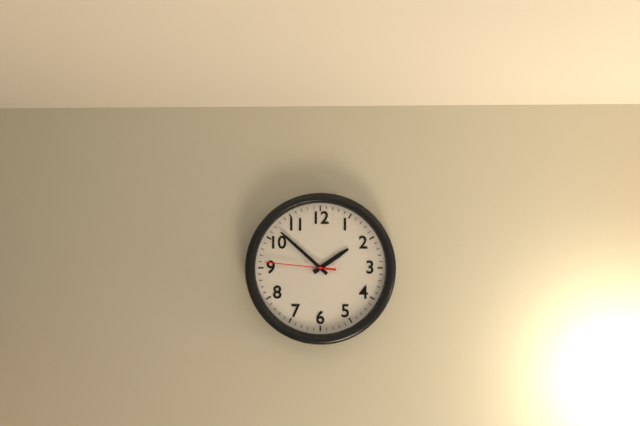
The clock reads 1h52m46s
